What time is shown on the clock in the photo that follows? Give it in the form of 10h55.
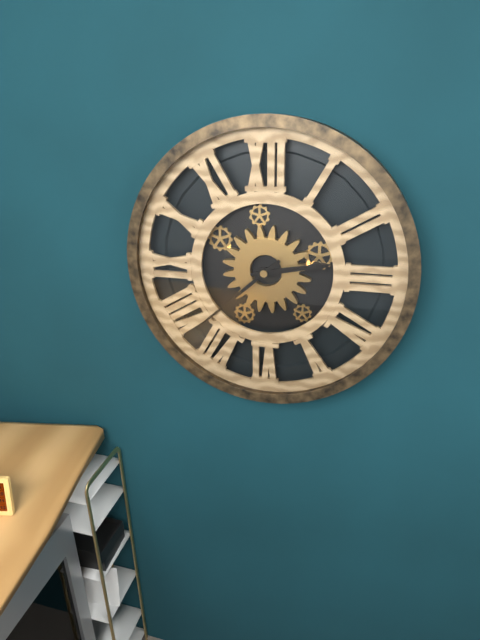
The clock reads 2h38
